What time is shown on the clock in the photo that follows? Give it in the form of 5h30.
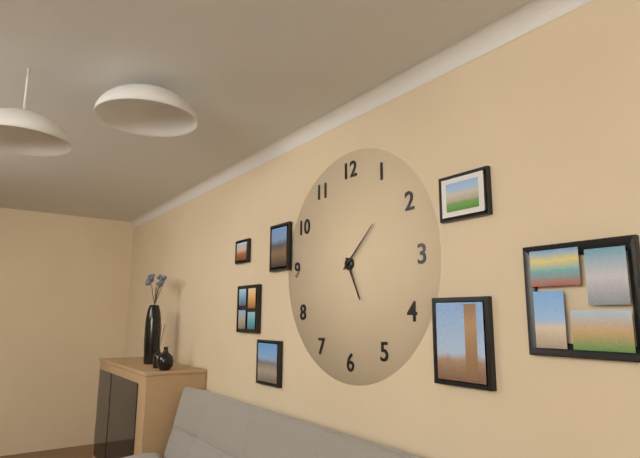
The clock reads 5h08
